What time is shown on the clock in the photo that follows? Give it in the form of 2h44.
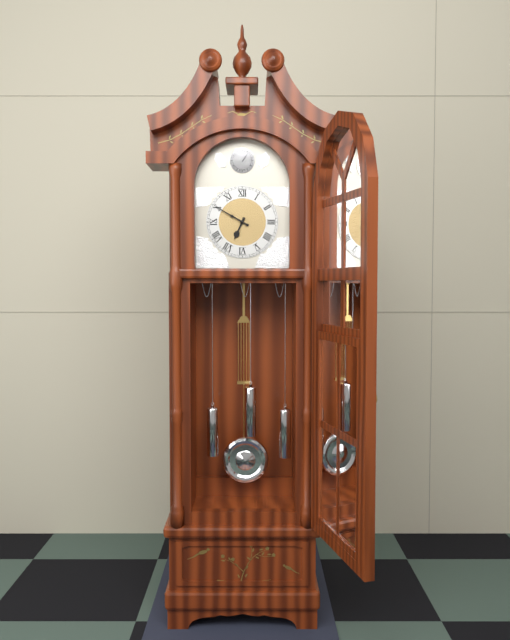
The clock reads 6h50
